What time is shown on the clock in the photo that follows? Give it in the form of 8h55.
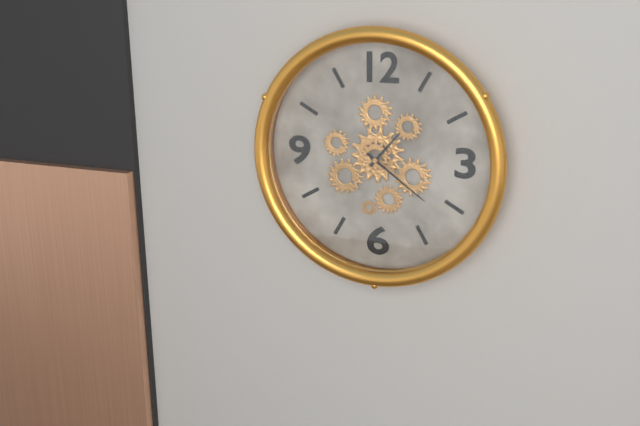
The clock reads 1h21
